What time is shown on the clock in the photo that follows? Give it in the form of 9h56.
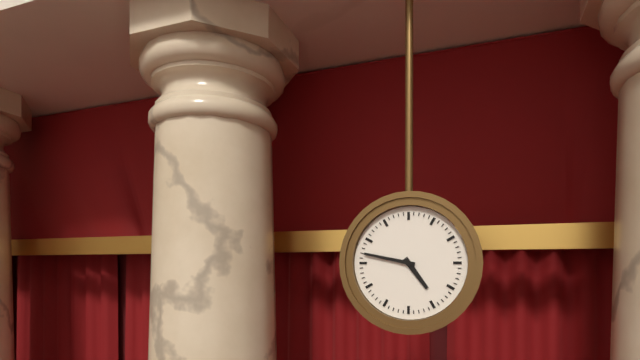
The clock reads 4h47
